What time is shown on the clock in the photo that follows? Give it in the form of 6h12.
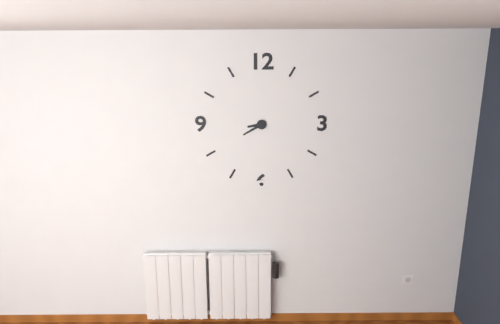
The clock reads 8h40
